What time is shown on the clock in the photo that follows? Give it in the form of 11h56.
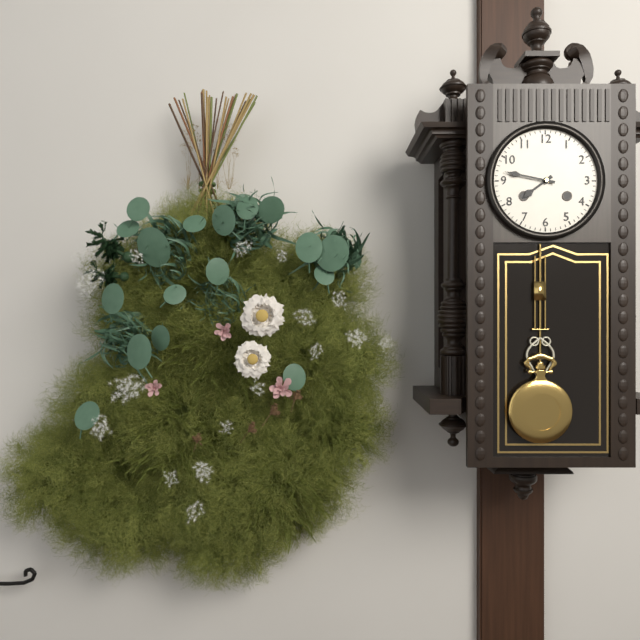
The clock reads 7h47
